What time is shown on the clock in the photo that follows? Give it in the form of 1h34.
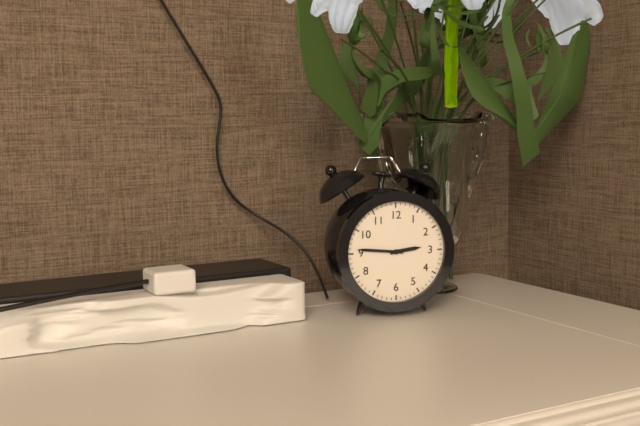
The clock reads 2h46
